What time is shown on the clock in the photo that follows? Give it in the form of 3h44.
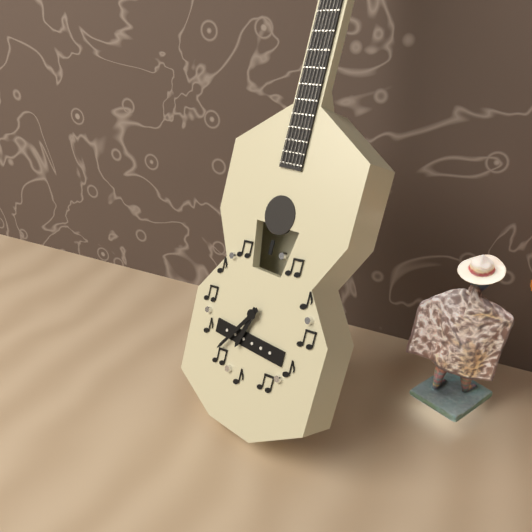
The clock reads 6h36
